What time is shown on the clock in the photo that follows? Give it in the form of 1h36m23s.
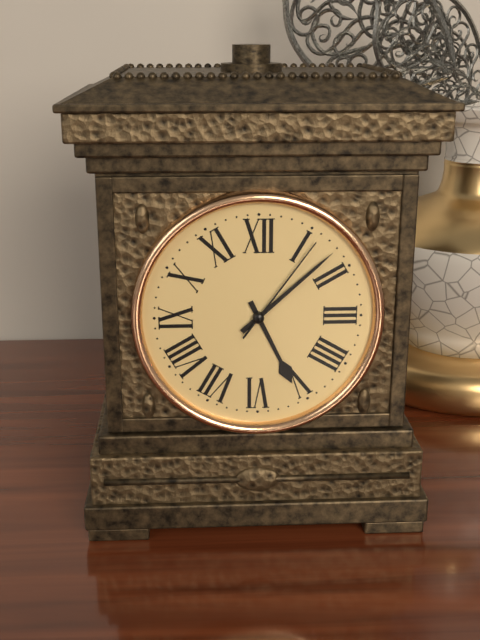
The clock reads 5h08m06s
